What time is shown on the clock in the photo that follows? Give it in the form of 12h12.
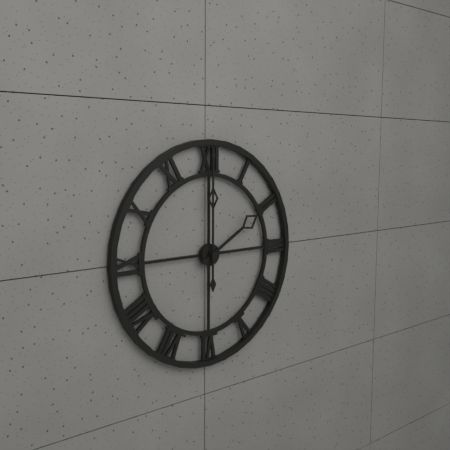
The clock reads 2h00
